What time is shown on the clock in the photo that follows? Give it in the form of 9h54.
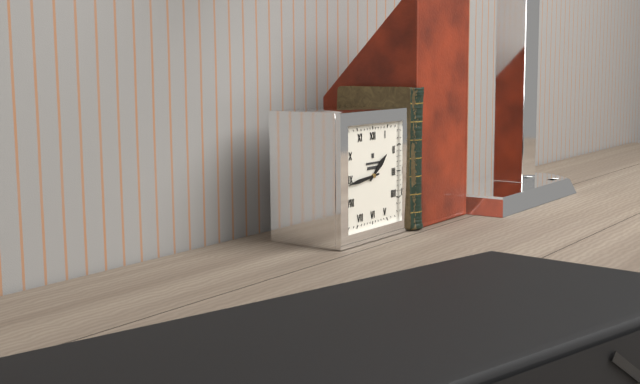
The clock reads 1h44
